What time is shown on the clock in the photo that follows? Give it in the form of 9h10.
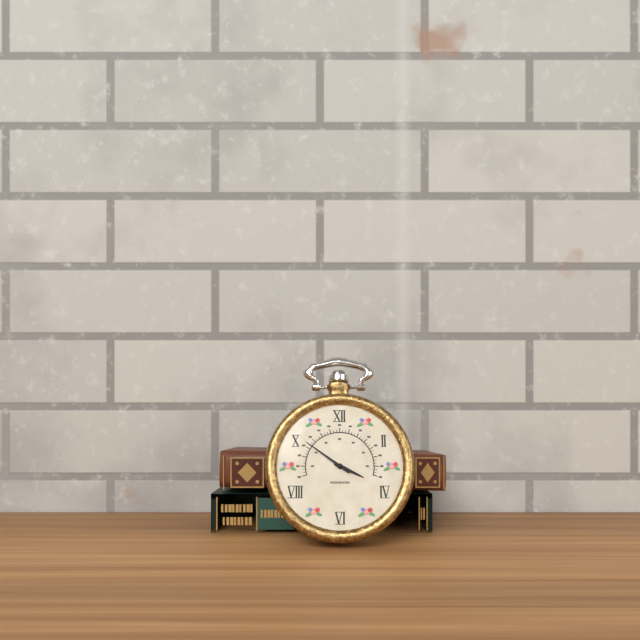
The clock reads 3h51
